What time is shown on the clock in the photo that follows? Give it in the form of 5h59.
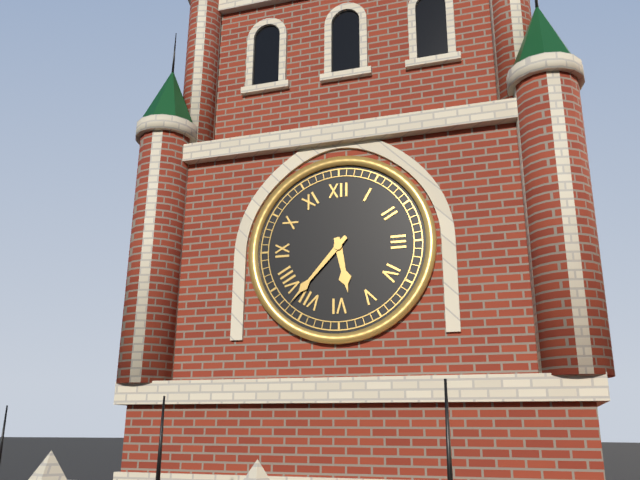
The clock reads 5h37
